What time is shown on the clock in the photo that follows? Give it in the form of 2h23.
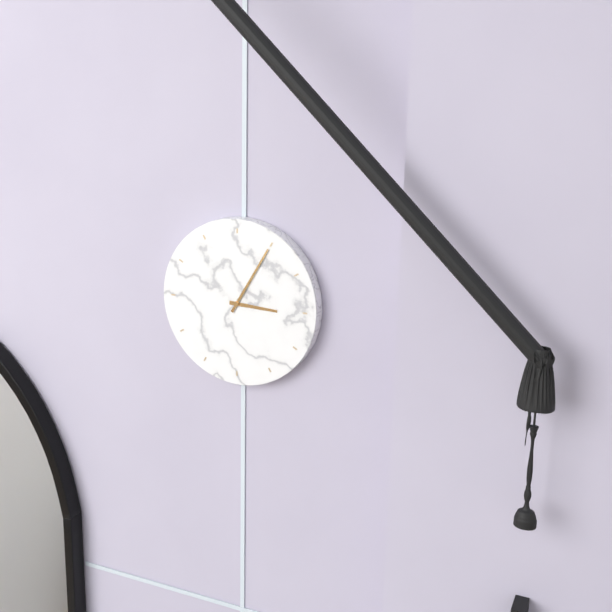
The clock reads 3h05
